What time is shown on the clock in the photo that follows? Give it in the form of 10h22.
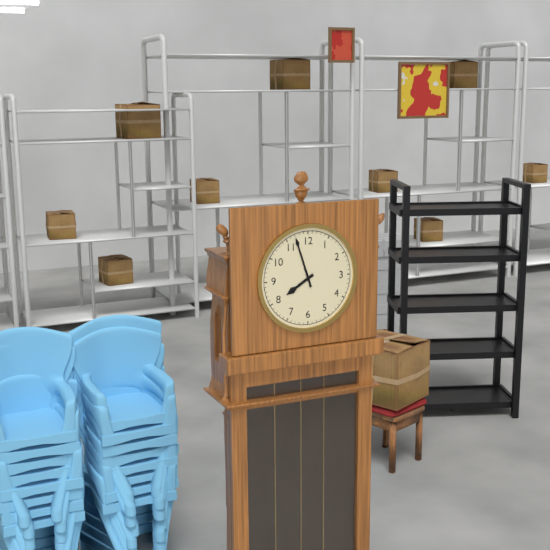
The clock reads 7h57
